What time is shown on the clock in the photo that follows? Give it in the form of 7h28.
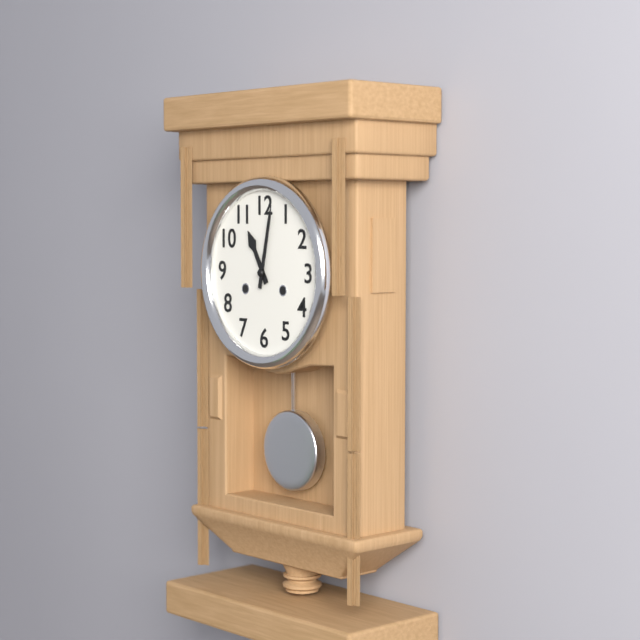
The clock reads 11h02
